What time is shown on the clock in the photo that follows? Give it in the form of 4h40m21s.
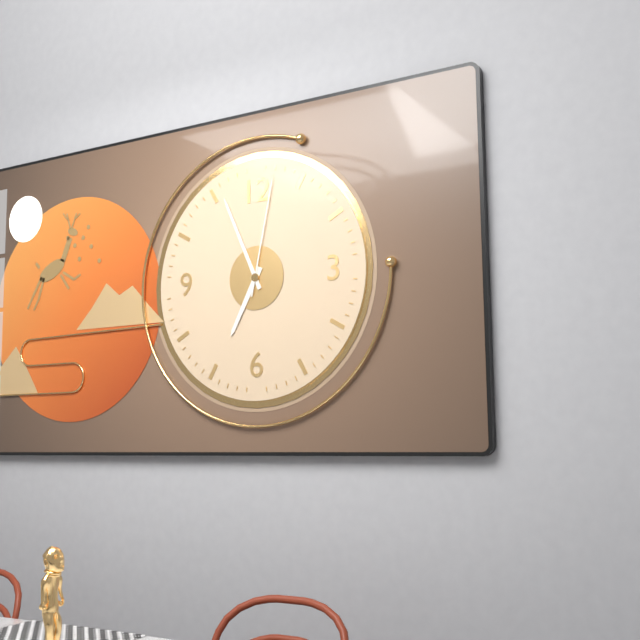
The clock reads 6h56m02s
